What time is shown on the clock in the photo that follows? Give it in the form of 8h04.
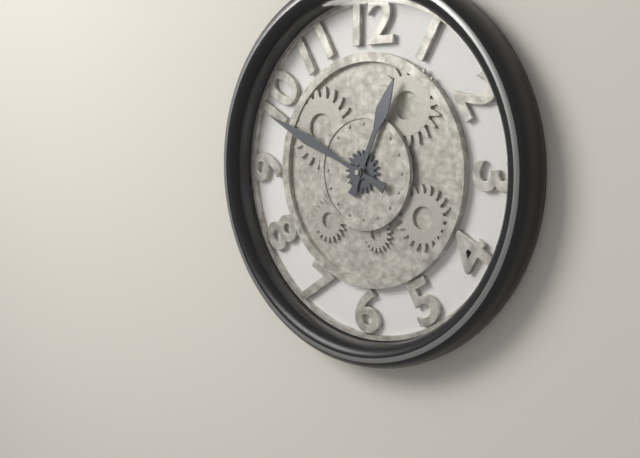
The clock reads 12h49
